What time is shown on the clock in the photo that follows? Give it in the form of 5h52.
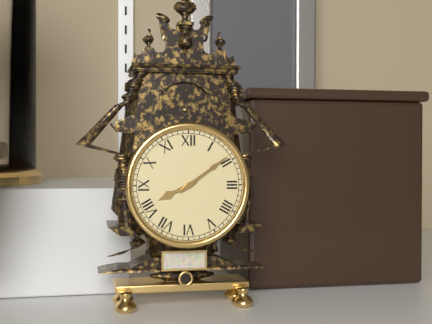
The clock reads 8h09
